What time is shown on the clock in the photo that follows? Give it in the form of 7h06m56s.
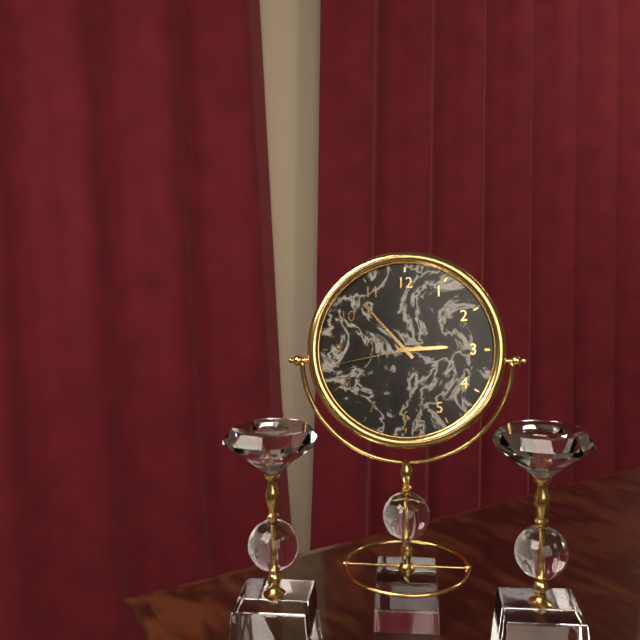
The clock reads 2h53m43s
